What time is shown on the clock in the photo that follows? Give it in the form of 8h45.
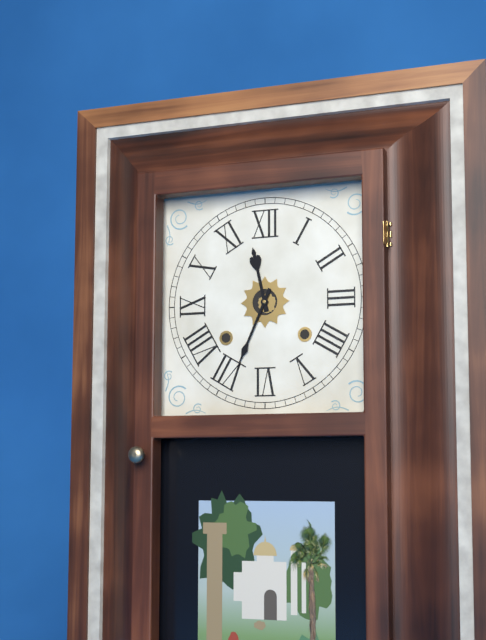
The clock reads 11h34
